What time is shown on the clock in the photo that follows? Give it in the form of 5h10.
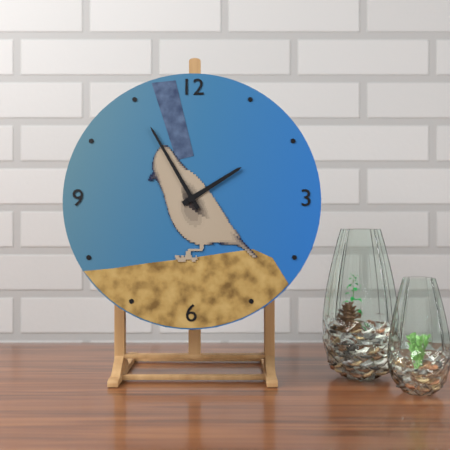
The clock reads 1h55
